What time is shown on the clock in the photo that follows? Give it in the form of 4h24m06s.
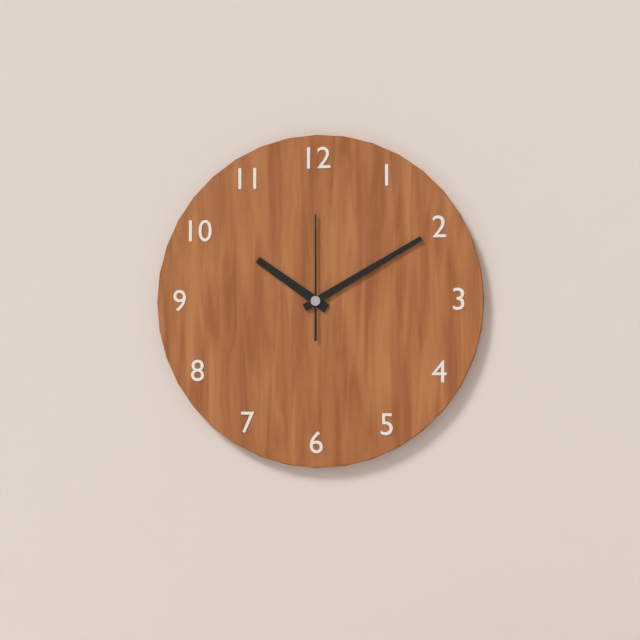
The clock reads 10h10m00s
